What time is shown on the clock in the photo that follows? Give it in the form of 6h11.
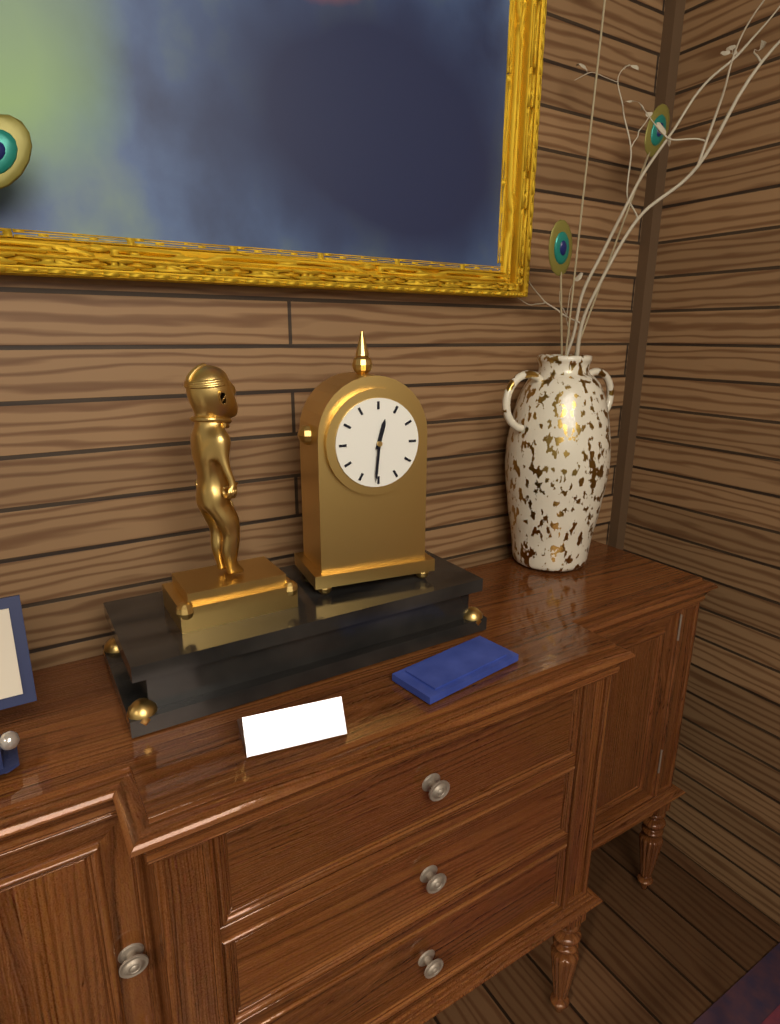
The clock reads 12h31
